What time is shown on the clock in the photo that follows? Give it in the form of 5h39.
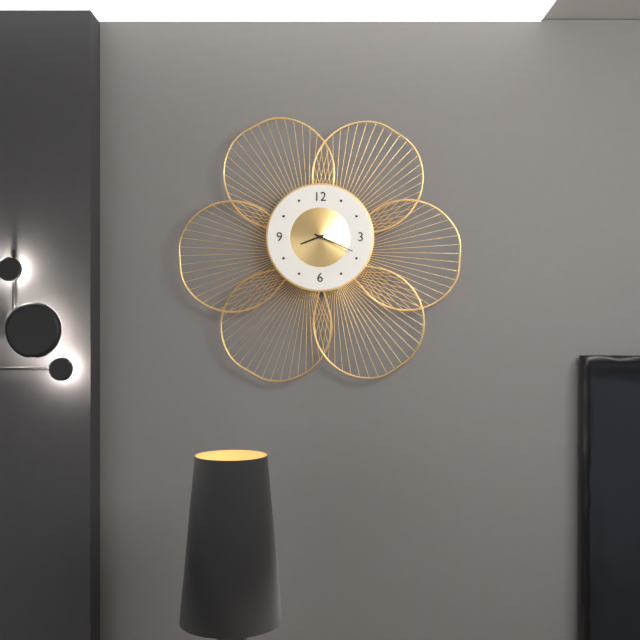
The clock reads 8h19
